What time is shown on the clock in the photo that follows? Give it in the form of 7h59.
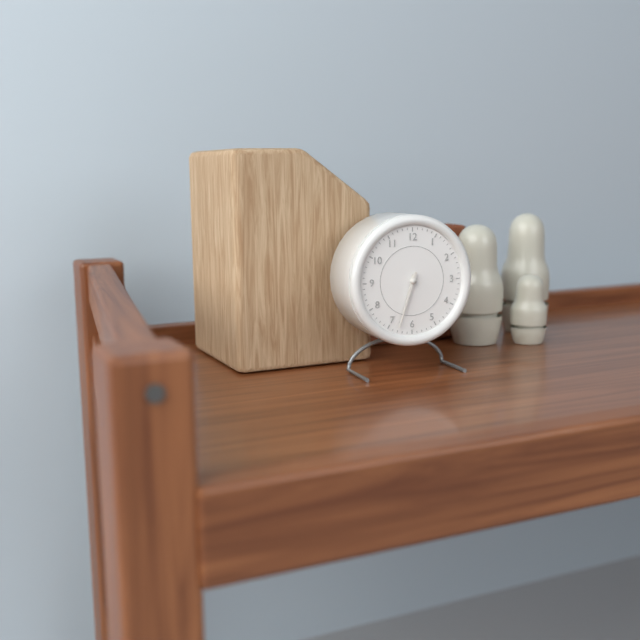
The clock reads 6h33
